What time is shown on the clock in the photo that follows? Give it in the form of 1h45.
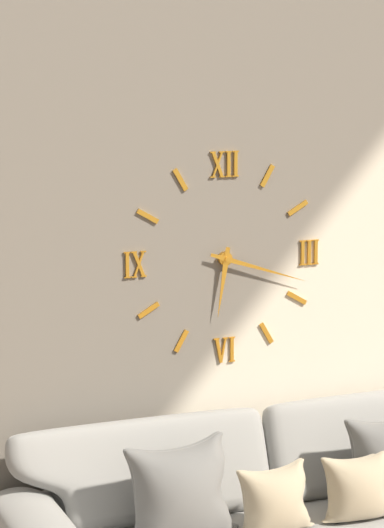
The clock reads 6h18
